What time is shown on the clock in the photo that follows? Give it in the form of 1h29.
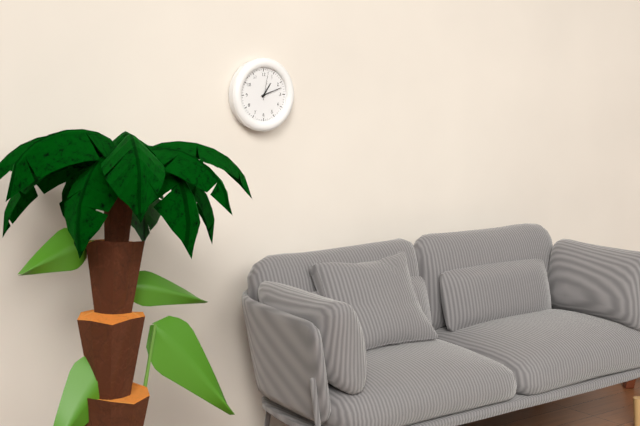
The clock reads 1h12
